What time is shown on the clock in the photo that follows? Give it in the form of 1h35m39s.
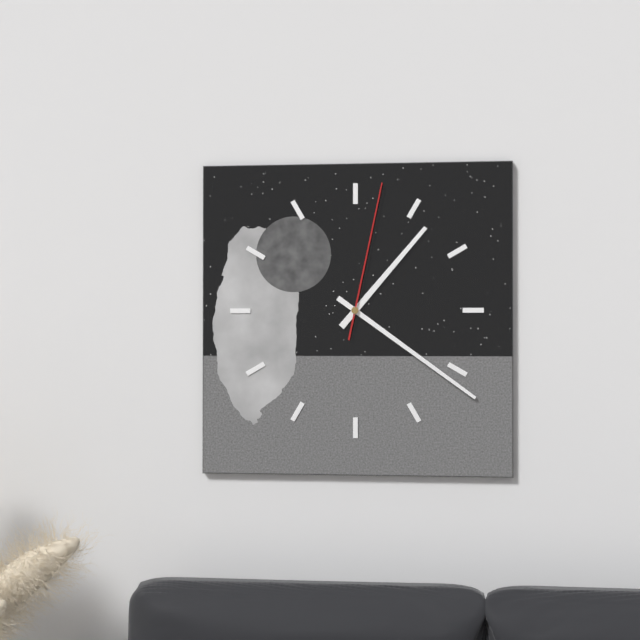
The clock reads 1h21m02s
